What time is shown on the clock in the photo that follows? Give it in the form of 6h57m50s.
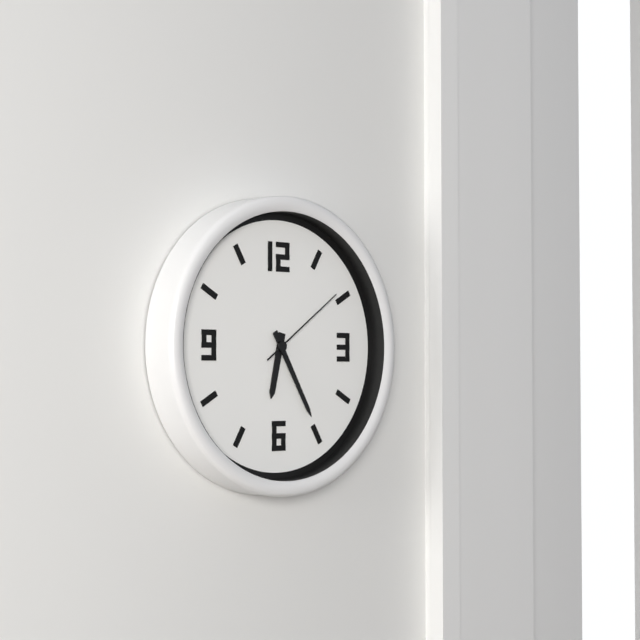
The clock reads 6h25m09s
